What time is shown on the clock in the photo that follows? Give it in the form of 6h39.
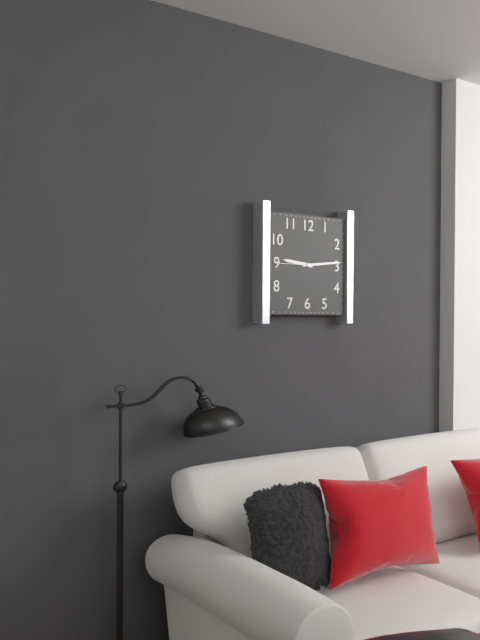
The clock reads 9h14
